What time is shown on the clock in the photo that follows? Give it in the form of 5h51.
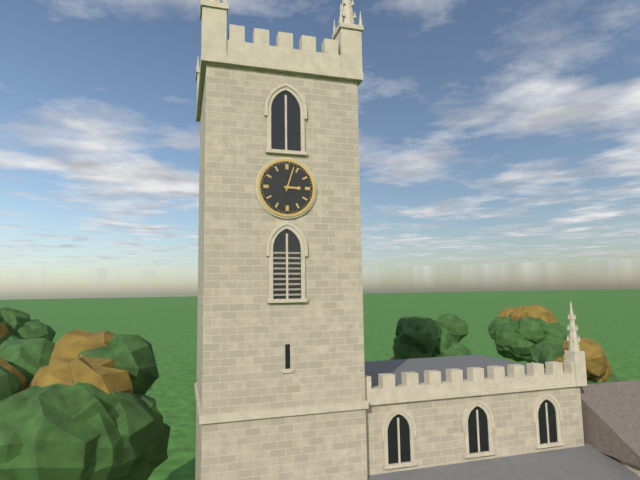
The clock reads 3h03
